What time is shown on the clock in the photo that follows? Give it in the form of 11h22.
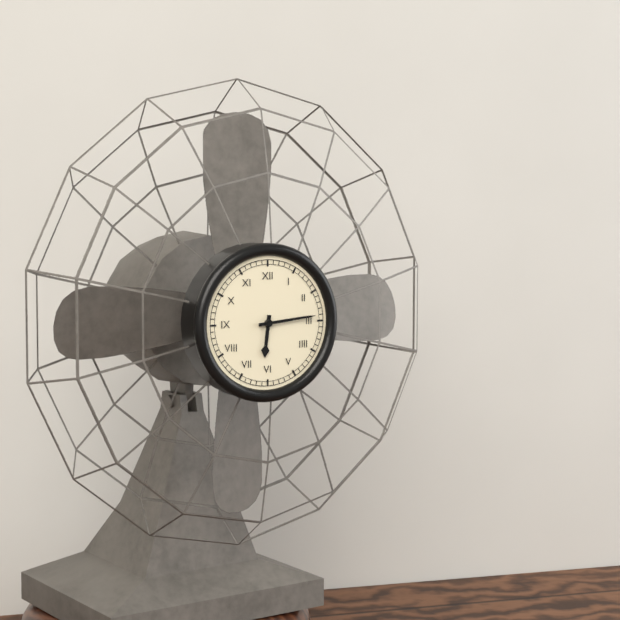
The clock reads 6h14
